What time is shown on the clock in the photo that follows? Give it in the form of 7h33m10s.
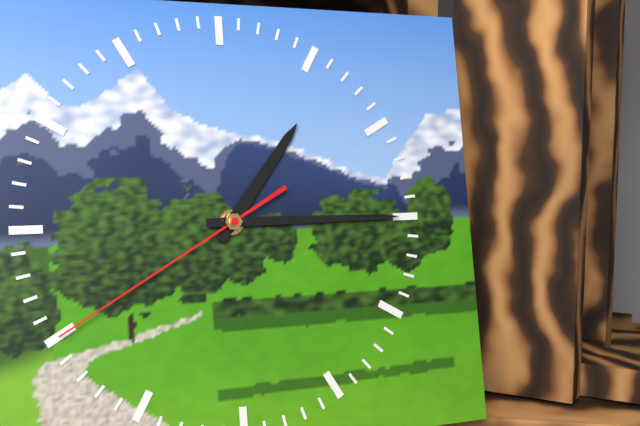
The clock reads 1h15m40s
